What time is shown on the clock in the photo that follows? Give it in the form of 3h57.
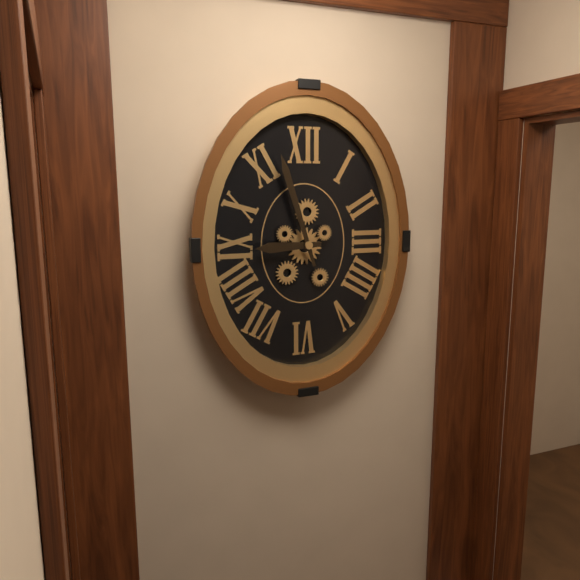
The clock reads 8h57
